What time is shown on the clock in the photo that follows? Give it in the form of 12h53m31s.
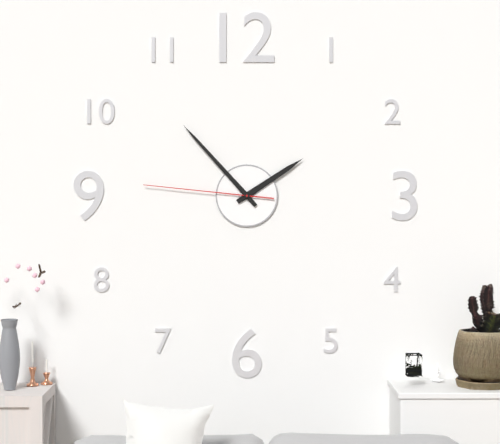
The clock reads 1h53m46s
